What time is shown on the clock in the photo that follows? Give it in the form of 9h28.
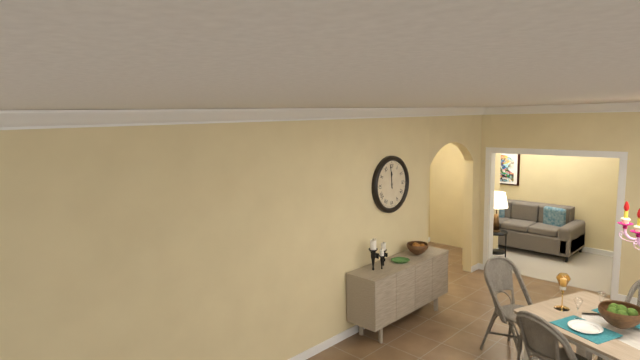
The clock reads 11h59
